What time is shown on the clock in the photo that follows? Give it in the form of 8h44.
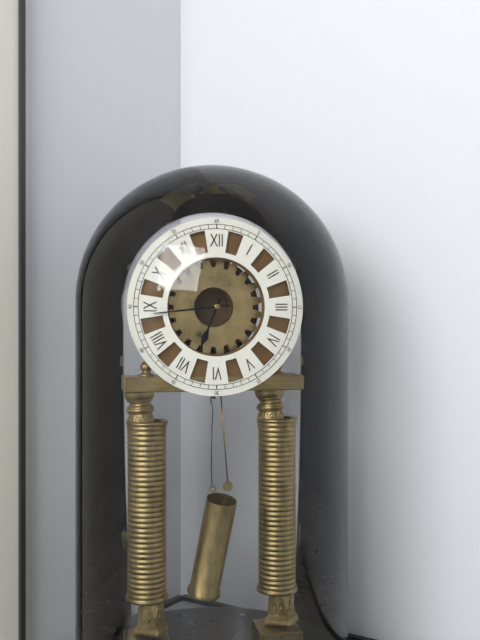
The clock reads 6h44
